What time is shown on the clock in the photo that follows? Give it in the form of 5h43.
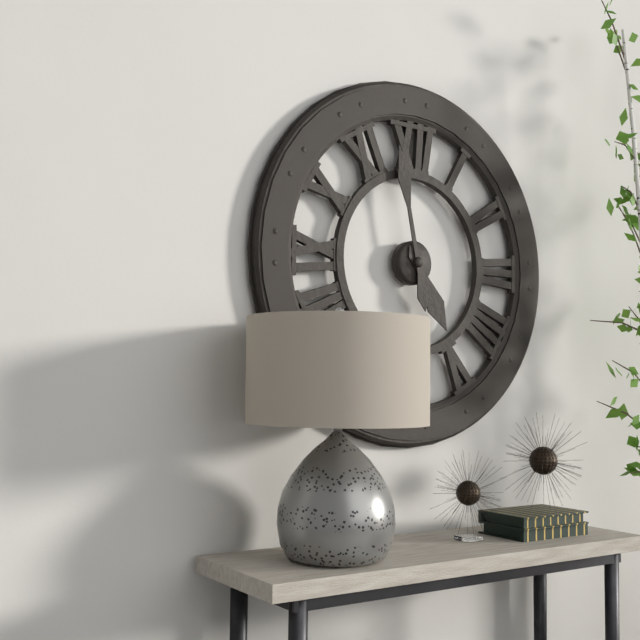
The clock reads 4h58
